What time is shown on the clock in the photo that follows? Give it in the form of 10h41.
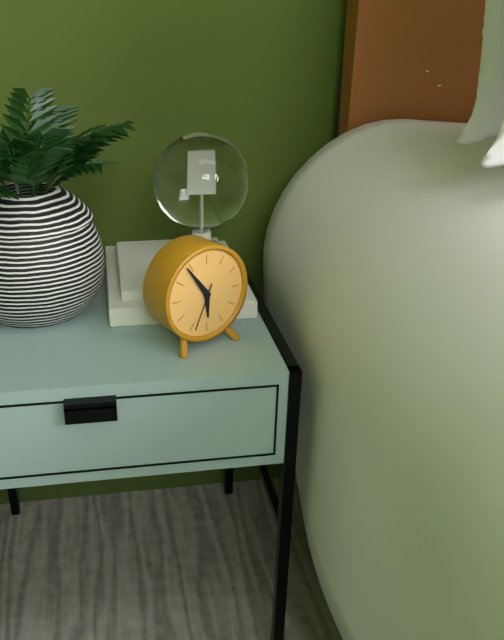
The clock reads 5h54
